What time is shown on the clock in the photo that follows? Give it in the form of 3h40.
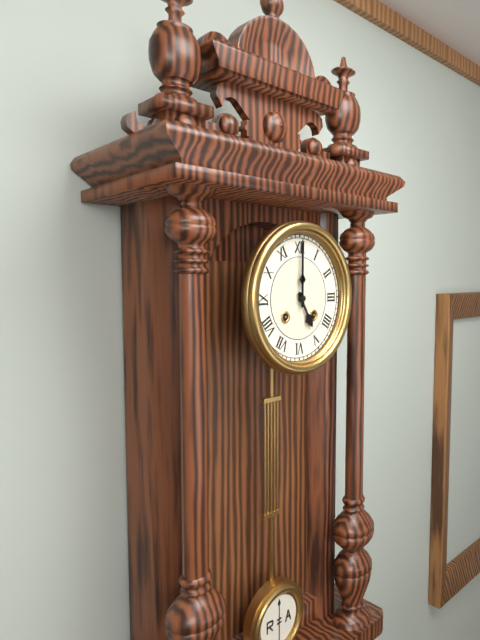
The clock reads 5h00
